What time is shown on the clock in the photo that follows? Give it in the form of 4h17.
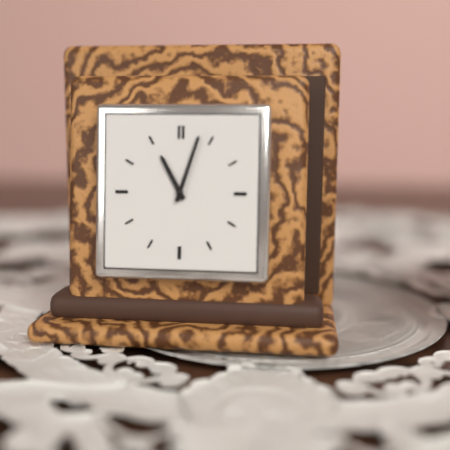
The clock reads 11h03
